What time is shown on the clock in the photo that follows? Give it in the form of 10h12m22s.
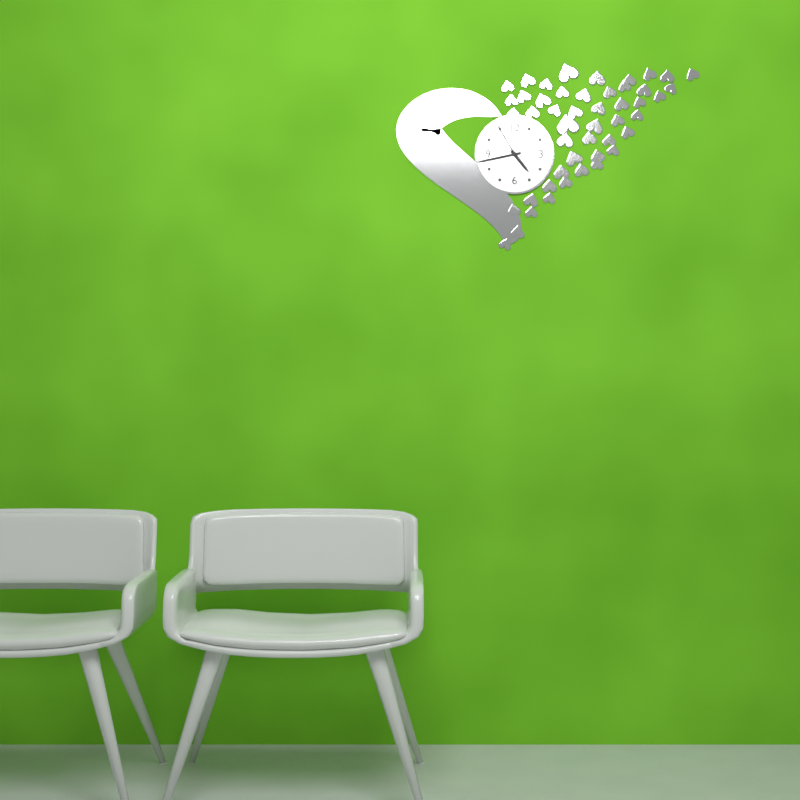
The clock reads 4h43m55s
